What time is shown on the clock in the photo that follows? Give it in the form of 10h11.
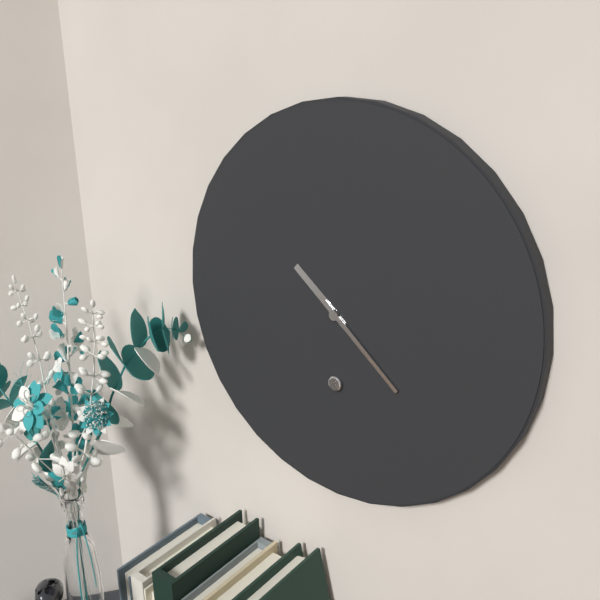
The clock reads 10h22
